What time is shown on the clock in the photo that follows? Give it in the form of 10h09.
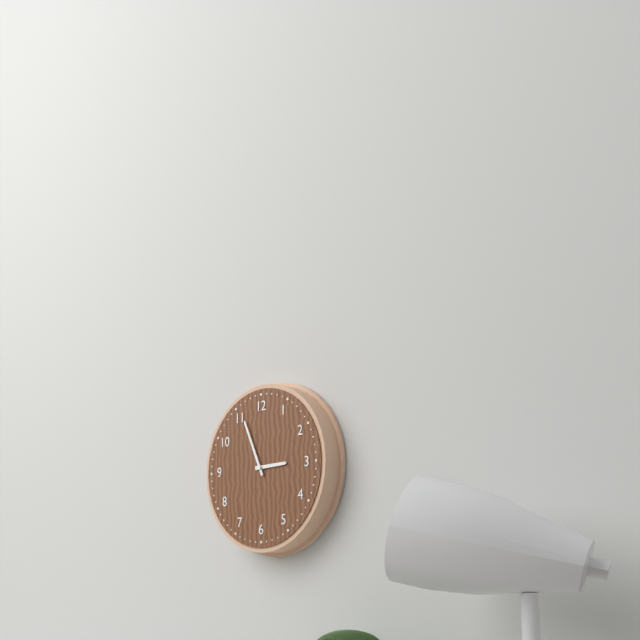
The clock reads 2h56
